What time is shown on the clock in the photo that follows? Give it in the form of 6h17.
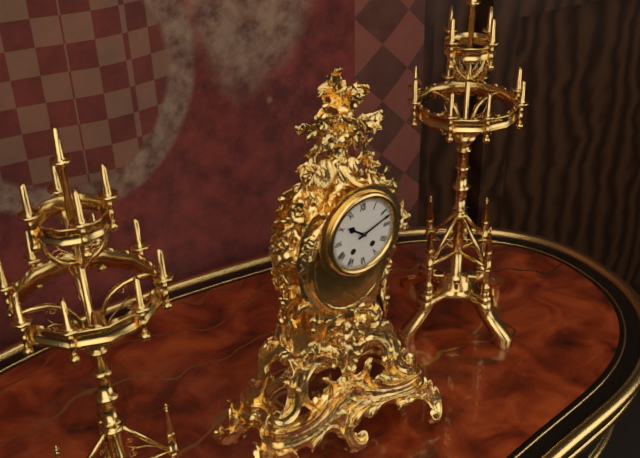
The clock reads 10h12
